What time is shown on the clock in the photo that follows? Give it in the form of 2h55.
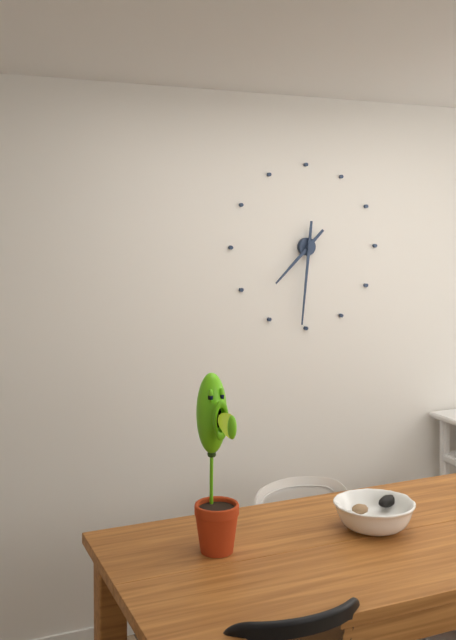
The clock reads 7h31
